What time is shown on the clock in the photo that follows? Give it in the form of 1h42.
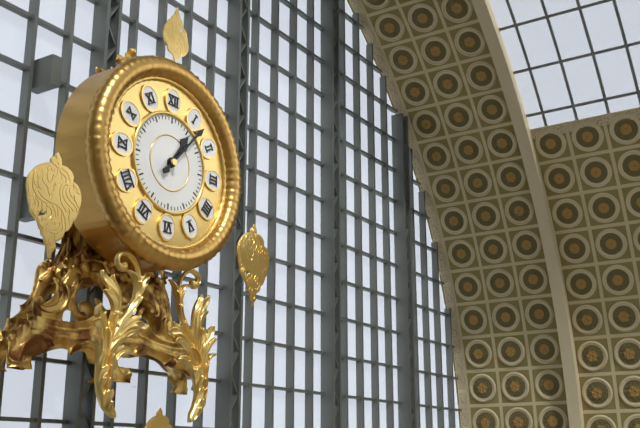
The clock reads 1h07
